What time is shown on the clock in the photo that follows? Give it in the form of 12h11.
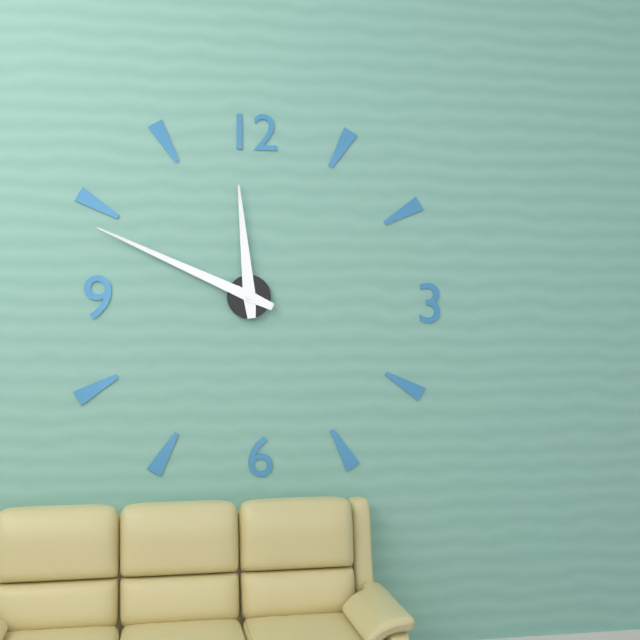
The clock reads 11h49
